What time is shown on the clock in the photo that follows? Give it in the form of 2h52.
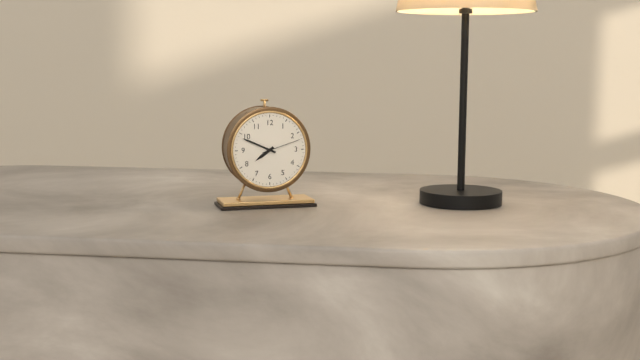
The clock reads 7h49
